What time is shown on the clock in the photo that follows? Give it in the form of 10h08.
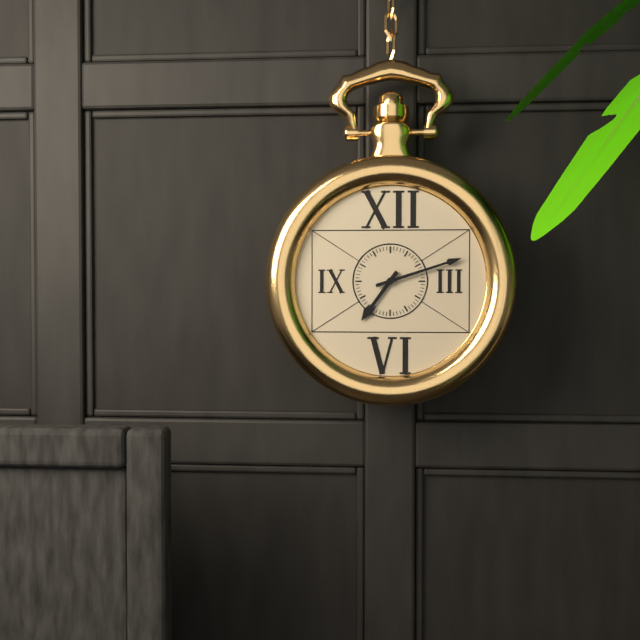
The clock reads 7h12
